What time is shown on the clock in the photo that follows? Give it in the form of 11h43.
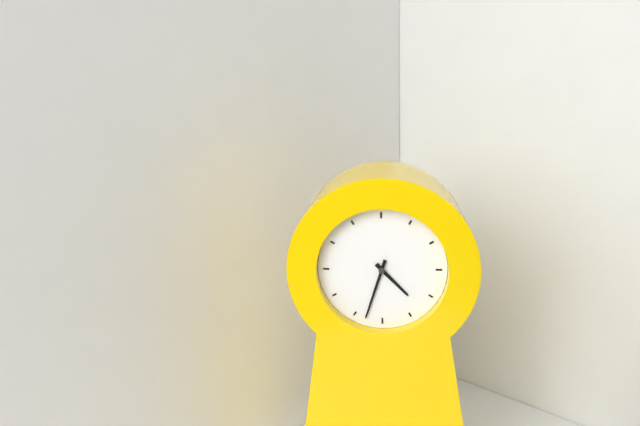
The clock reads 4h33
